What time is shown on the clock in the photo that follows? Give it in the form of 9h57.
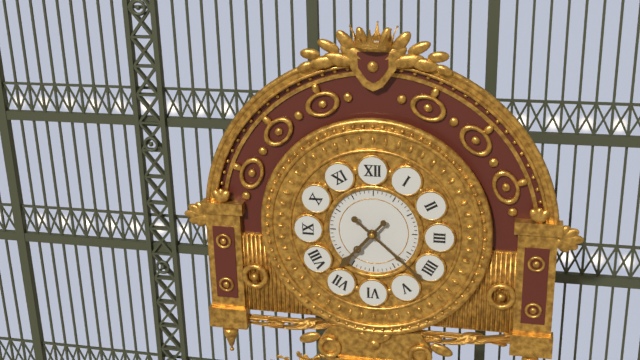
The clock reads 7h22
